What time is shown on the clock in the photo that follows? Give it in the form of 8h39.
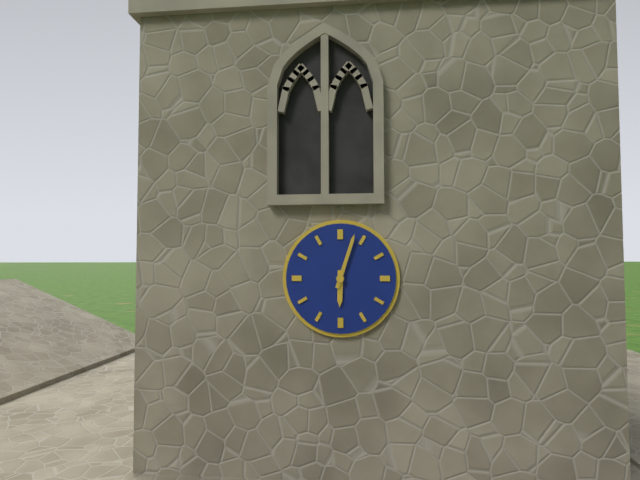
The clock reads 6h03
